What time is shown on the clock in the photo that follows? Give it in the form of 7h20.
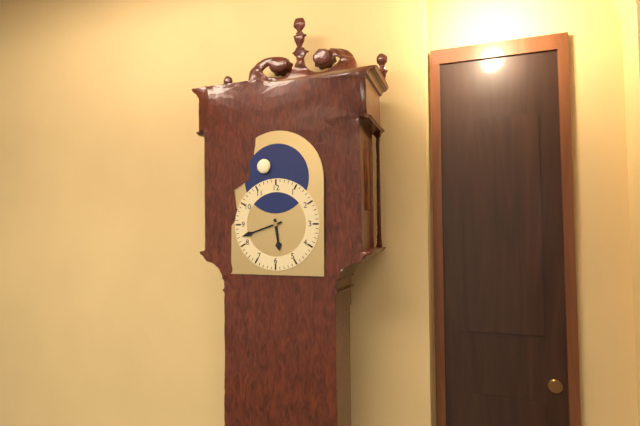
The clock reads 5h42
